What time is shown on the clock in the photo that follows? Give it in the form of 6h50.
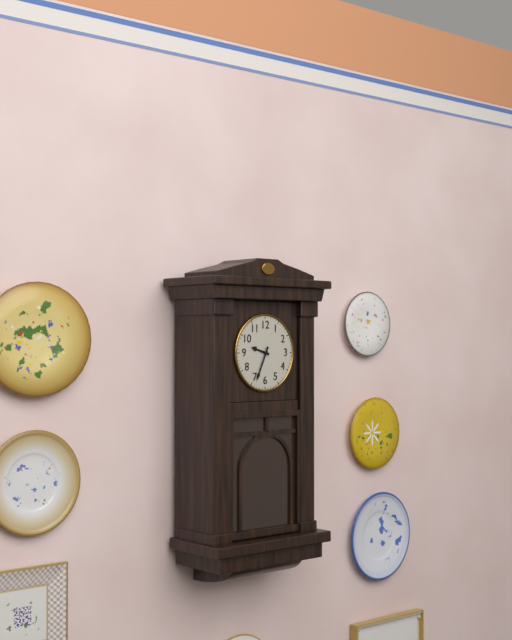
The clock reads 9h34
